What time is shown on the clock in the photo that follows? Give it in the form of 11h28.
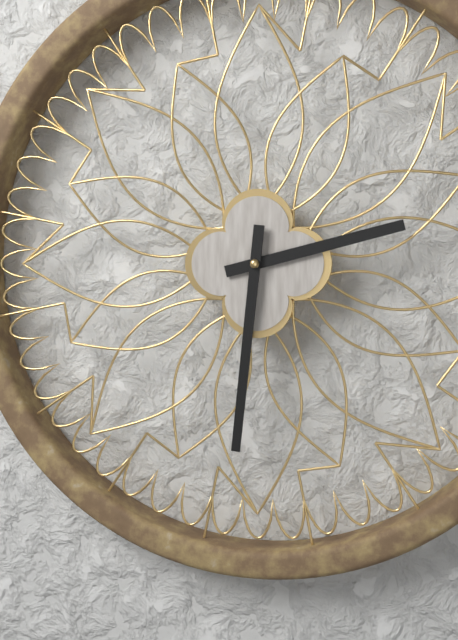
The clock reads 2h31
